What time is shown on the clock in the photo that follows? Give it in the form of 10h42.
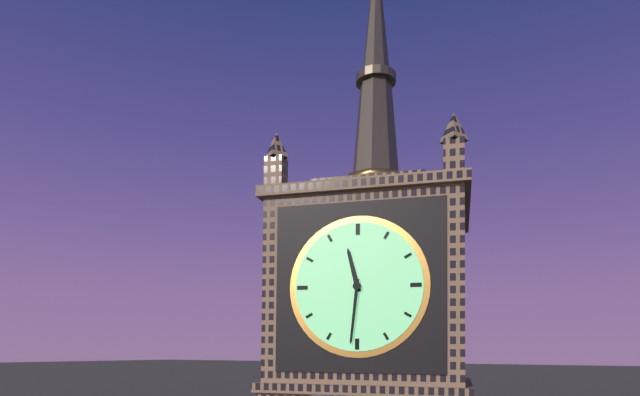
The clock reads 11h31
